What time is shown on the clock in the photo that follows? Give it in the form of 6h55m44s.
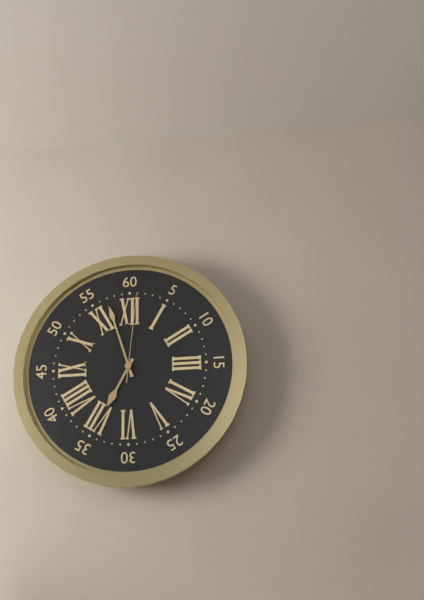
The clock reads 6h57m01s
